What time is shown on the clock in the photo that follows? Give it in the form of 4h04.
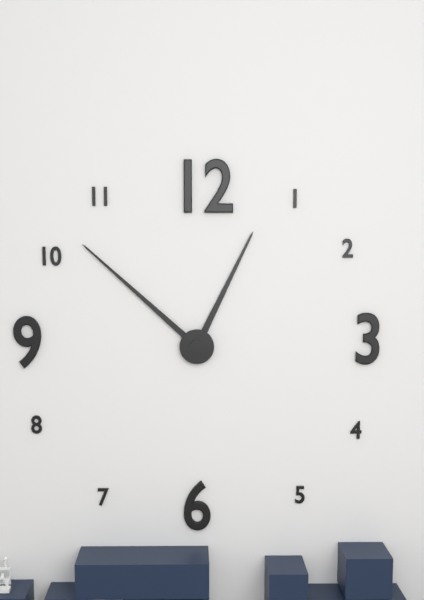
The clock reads 12h52
